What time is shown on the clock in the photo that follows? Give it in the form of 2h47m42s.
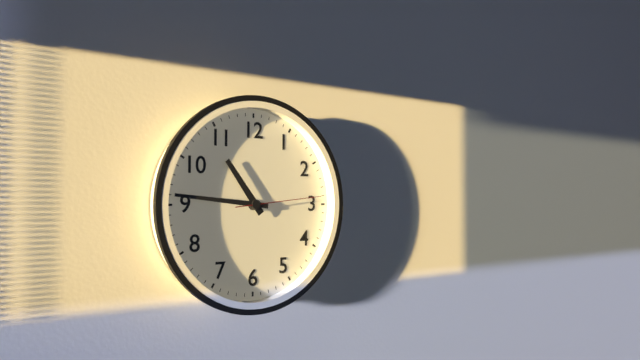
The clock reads 10h46m14s
